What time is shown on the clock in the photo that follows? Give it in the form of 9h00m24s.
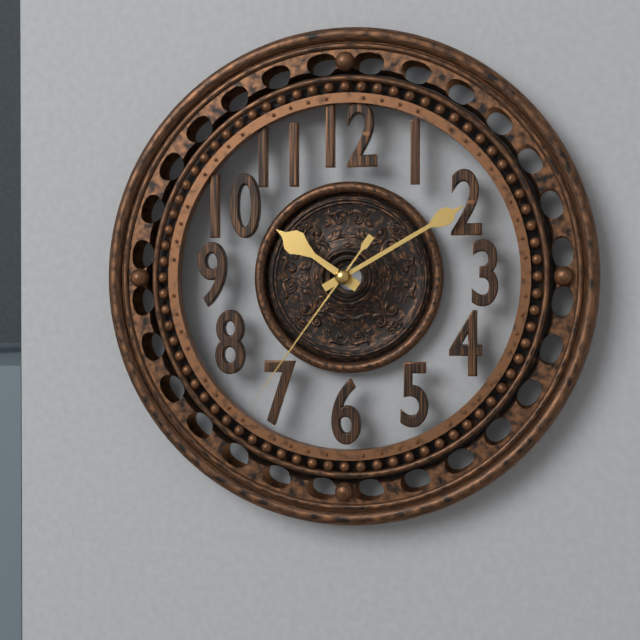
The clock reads 10h10m36s
